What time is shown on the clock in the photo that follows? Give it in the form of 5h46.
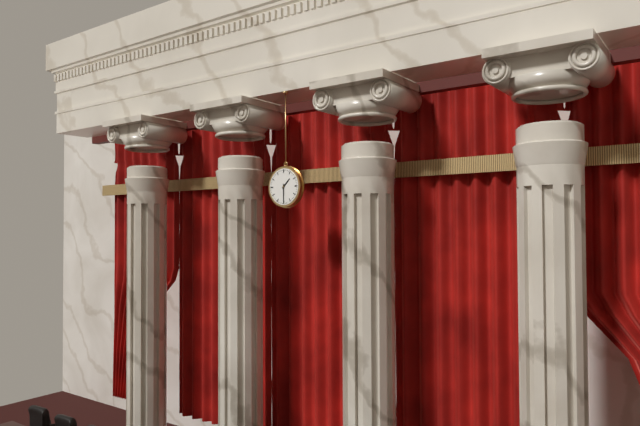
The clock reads 1h30
